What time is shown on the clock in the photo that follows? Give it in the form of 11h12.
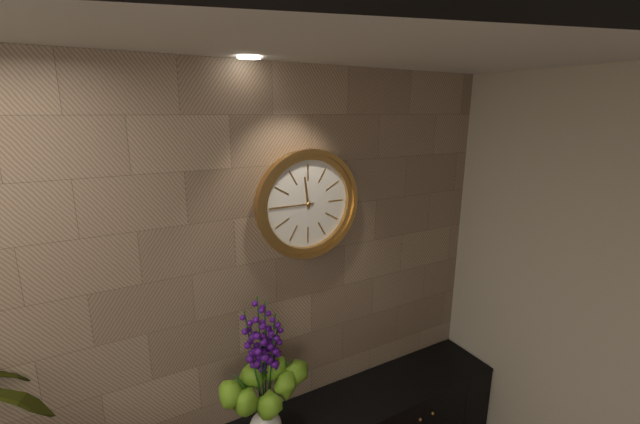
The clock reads 11h45
